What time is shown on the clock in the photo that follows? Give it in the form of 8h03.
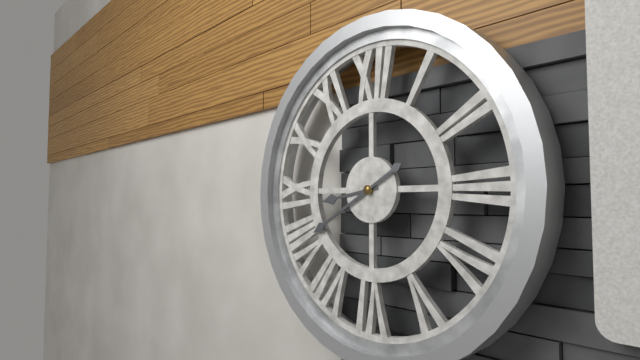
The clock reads 8h40
